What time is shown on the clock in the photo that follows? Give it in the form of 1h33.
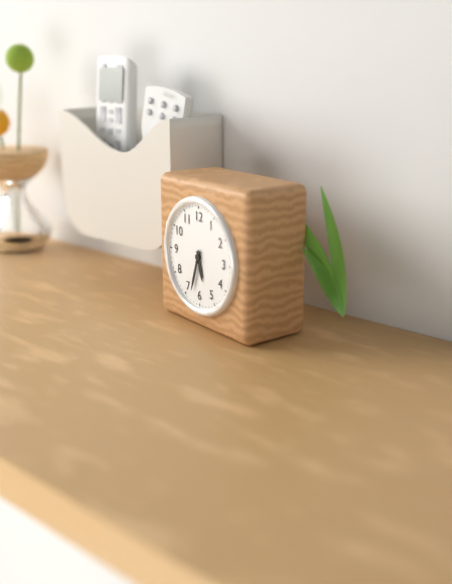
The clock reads 5h33
